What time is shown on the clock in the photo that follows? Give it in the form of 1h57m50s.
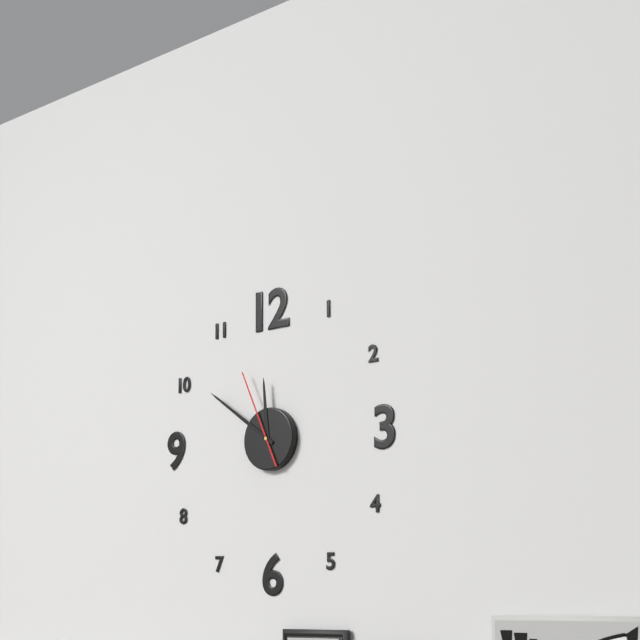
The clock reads 11h51m56s
